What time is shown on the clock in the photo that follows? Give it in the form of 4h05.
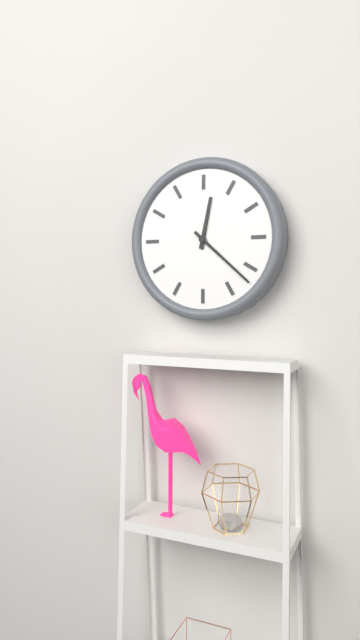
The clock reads 12h22
